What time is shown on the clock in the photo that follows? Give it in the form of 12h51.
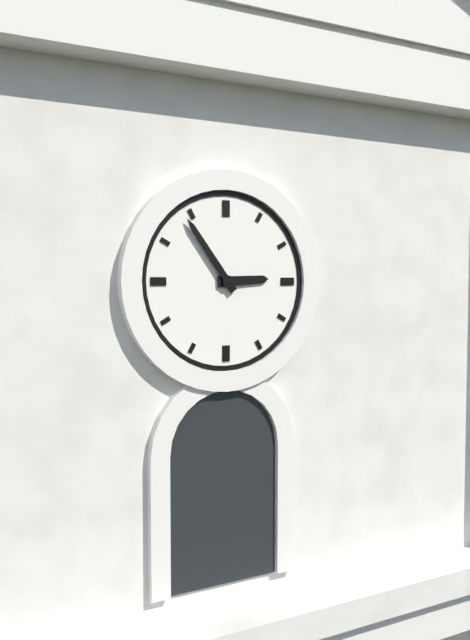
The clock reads 2h54
